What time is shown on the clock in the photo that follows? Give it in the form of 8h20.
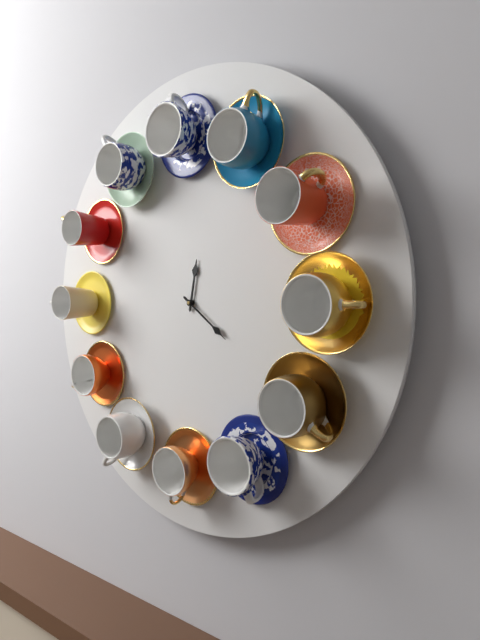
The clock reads 12h21
